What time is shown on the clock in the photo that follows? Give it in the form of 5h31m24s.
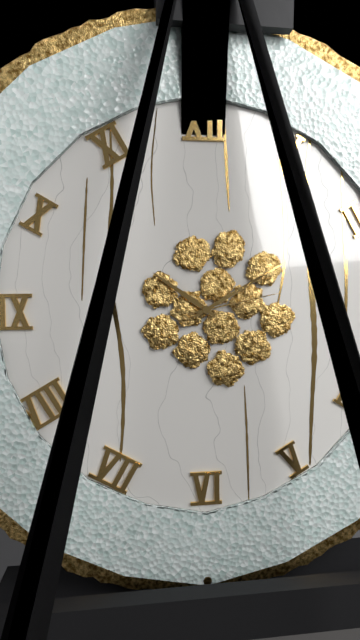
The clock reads 10h10m13s
